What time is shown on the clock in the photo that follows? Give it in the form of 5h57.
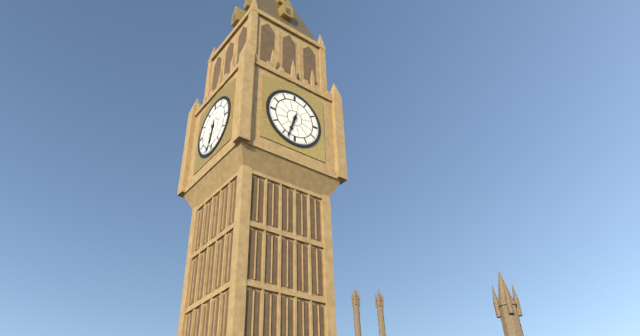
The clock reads 6h33
